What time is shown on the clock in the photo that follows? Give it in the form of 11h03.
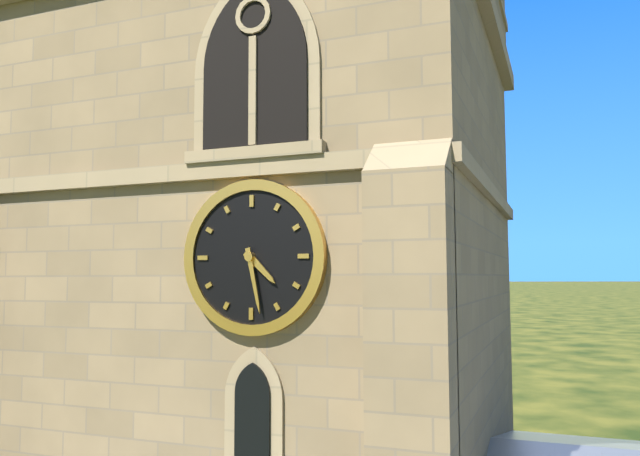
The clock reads 4h28
